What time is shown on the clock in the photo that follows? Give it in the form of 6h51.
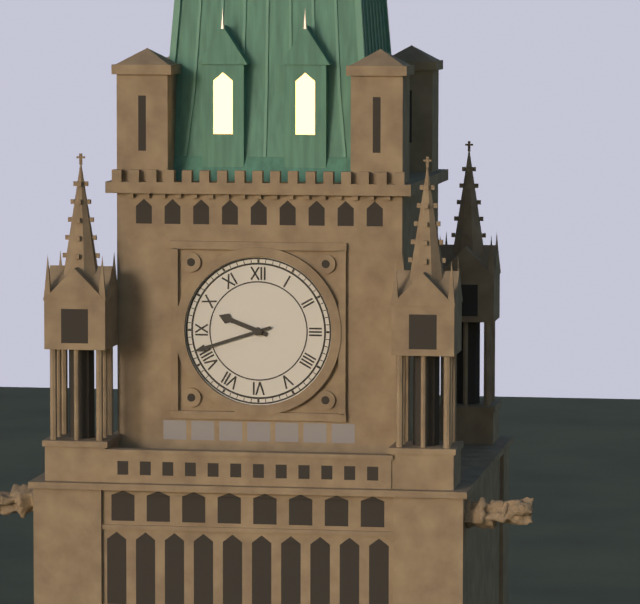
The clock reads 9h42
